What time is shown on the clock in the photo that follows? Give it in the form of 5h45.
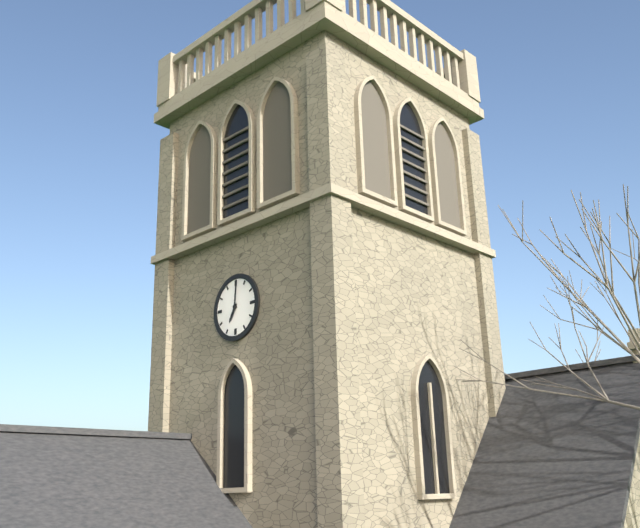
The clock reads 7h01
